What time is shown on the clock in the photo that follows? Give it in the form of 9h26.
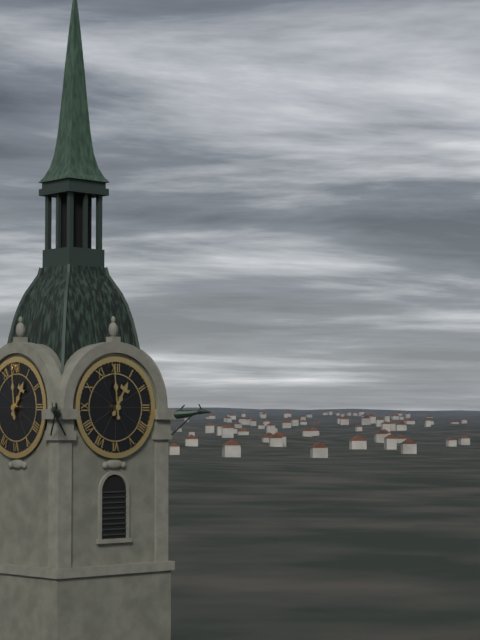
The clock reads 12h59
